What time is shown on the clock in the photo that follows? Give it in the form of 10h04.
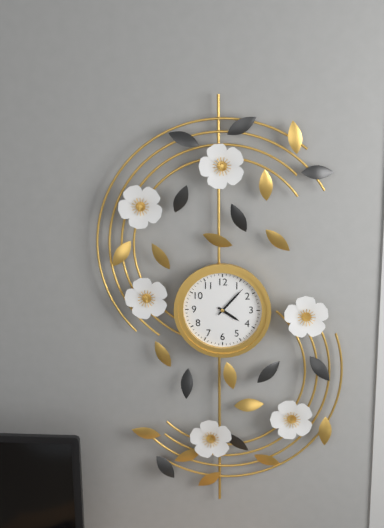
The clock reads 4h07
